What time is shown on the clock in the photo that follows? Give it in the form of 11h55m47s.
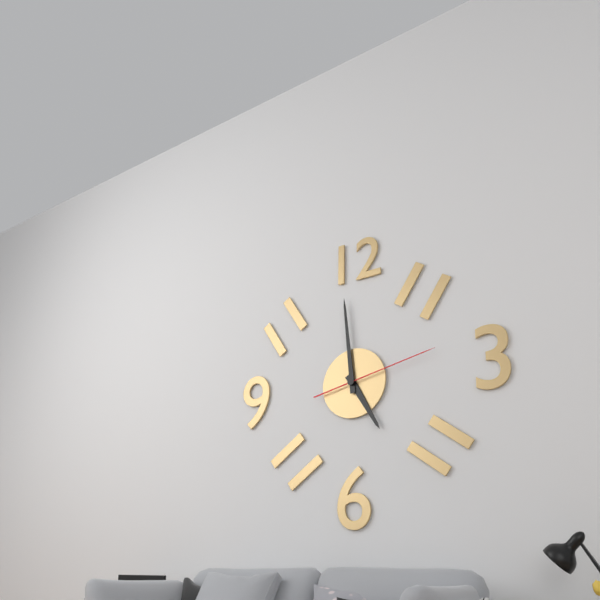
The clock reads 4h59m13s
